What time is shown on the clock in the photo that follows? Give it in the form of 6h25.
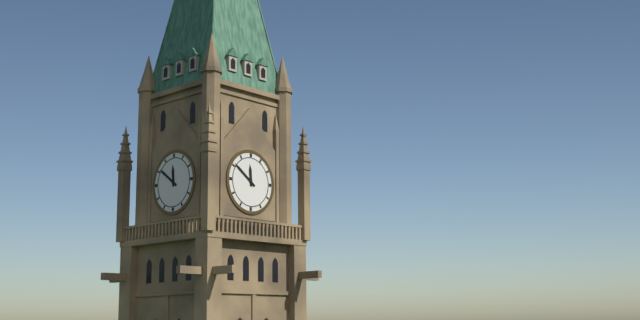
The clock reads 11h51
